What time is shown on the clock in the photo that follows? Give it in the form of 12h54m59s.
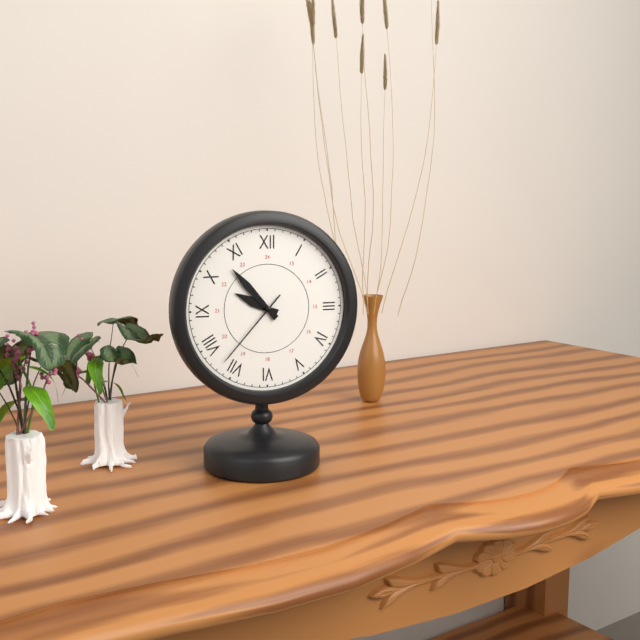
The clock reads 9h53m37s
